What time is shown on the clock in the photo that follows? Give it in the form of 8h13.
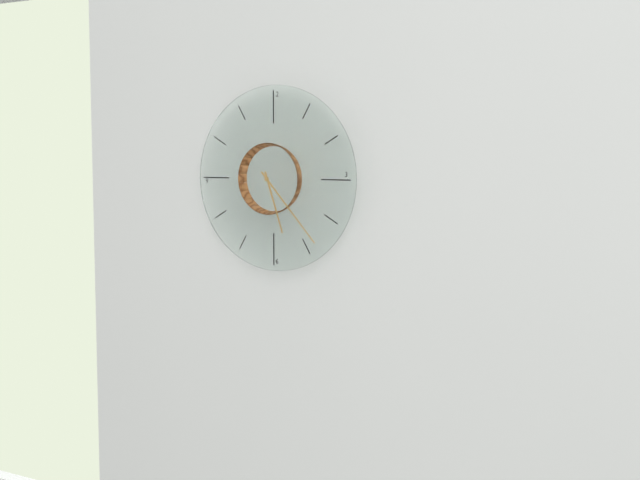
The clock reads 5h23
